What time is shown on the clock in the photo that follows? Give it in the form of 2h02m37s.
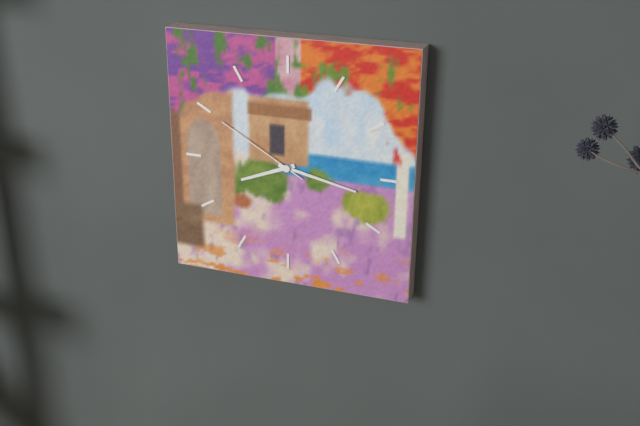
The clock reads 8h17m50s
